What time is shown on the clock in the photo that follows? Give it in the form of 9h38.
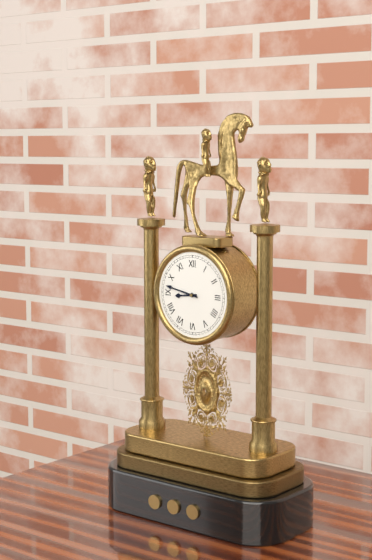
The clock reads 8h47
